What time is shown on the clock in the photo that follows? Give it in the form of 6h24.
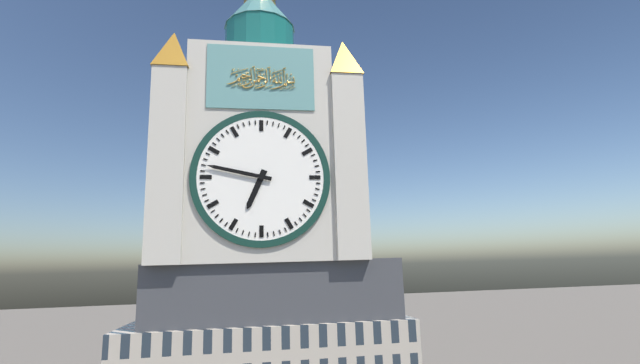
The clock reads 6h47
